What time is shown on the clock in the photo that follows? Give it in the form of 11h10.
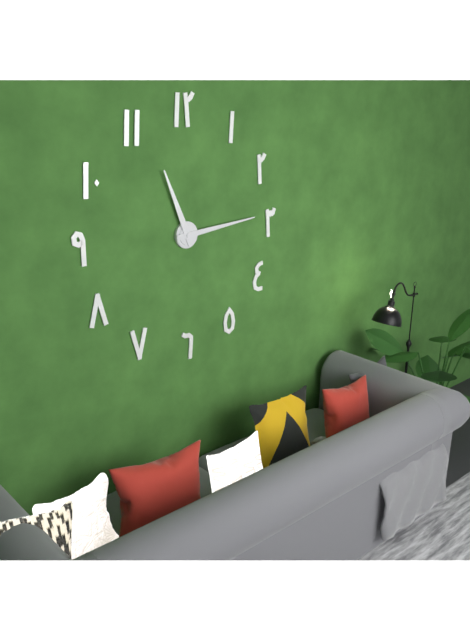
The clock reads 11h14
